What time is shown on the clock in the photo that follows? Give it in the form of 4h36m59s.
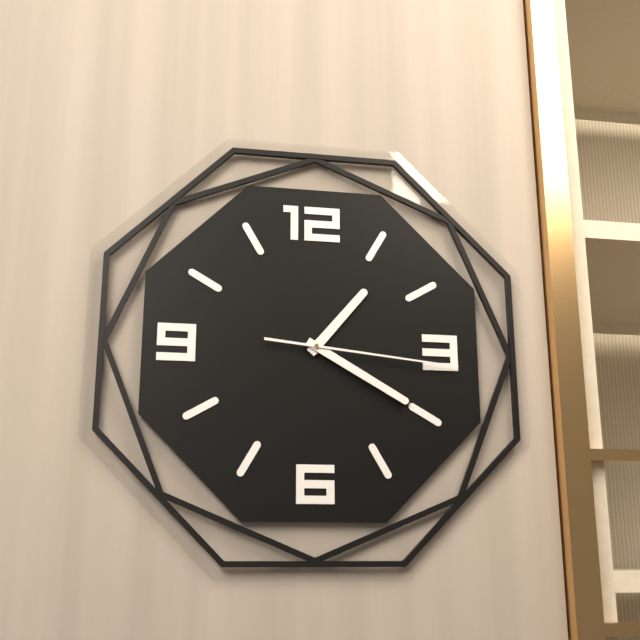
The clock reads 1h20m16s
